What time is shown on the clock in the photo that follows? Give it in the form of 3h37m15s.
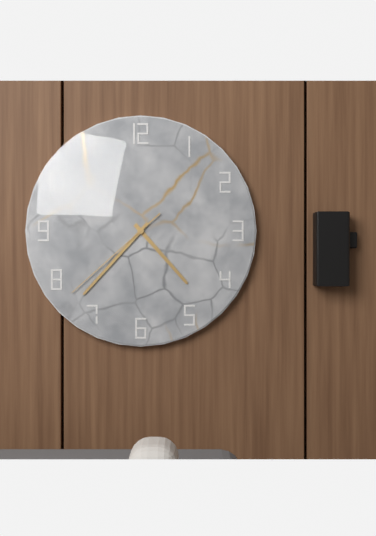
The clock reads 4h37m38s
